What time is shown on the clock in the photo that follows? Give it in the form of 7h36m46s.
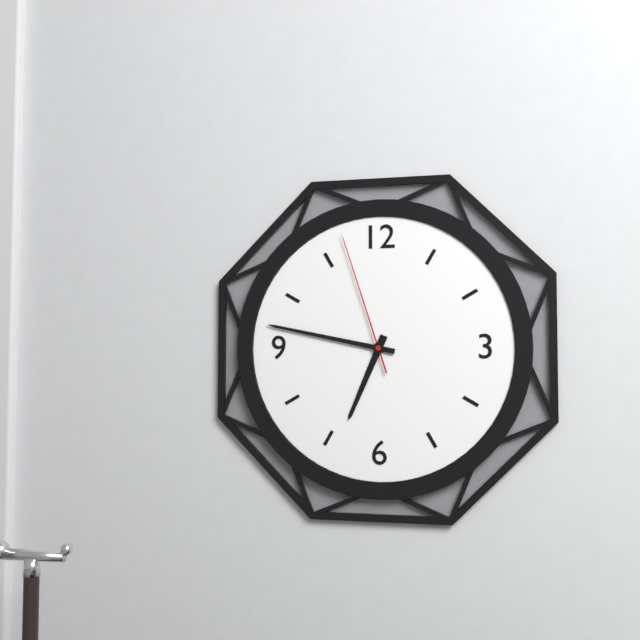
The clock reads 6h47m57s
